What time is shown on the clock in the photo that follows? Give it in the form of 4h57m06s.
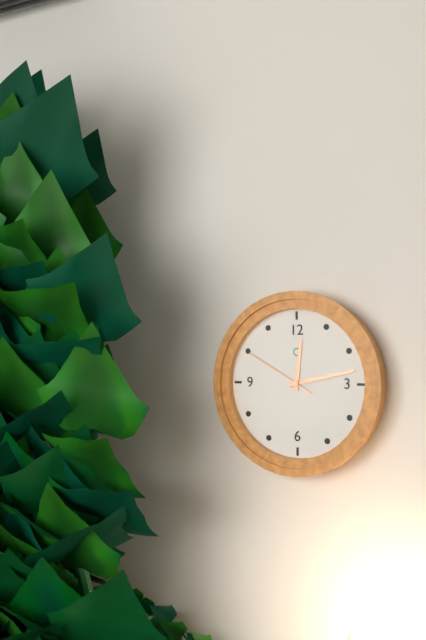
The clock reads 12h13m50s
